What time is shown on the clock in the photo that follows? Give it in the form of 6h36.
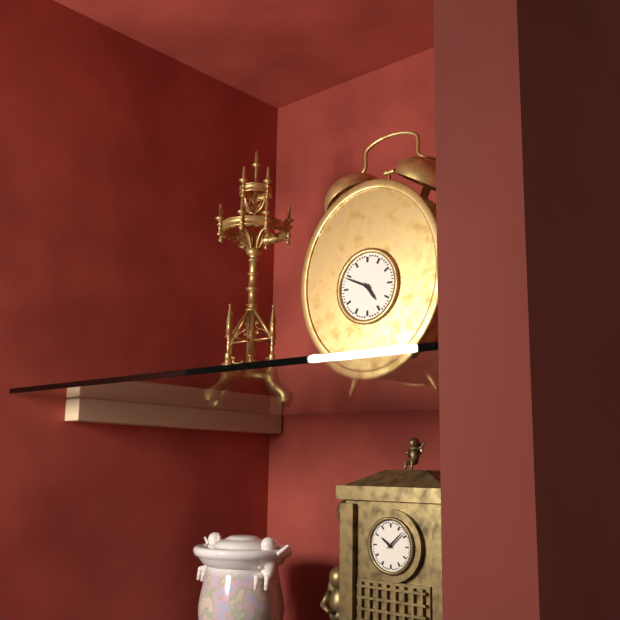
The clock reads 4h49
